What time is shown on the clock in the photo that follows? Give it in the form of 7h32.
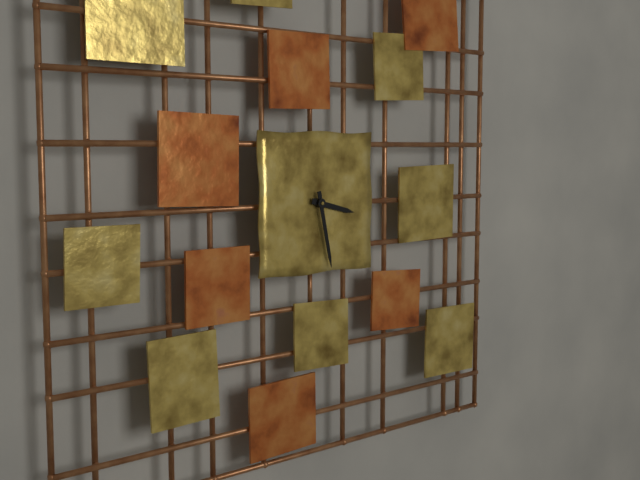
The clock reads 3h28
